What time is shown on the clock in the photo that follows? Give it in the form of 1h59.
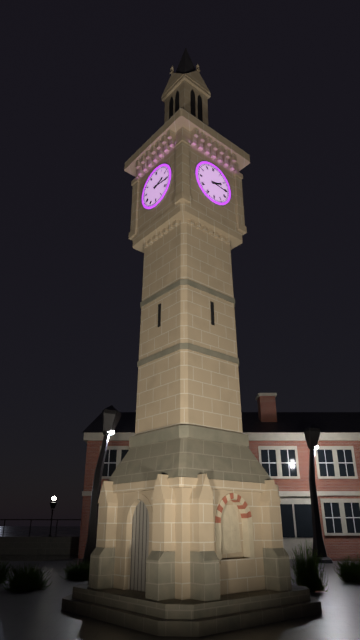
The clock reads 2h16
